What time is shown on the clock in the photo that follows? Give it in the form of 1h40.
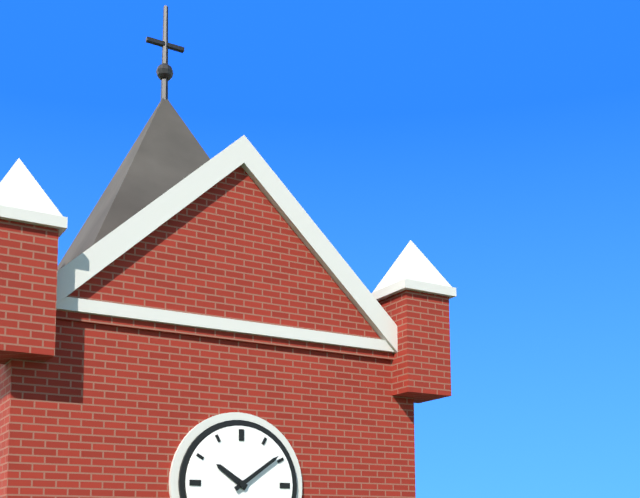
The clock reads 10h09
